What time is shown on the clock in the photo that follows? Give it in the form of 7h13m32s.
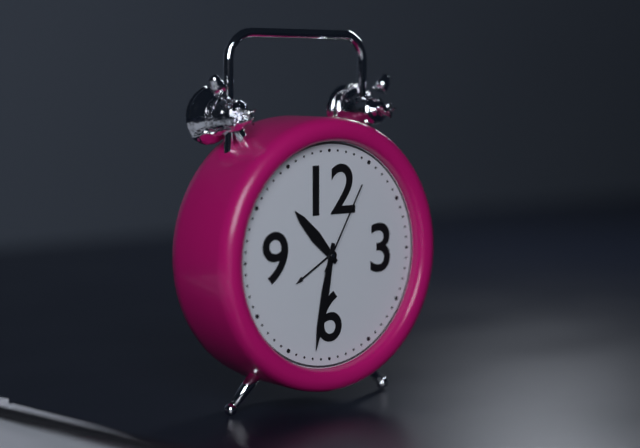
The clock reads 10h32m05s
